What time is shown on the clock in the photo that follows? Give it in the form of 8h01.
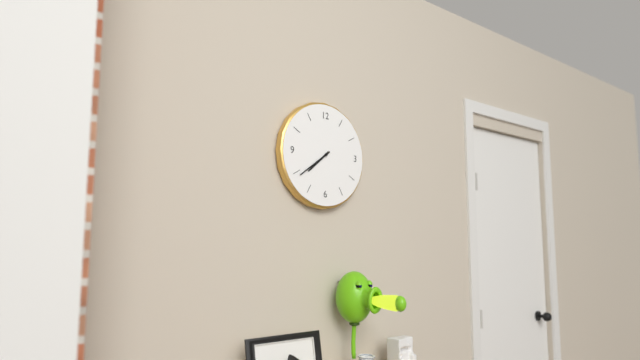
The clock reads 7h39
